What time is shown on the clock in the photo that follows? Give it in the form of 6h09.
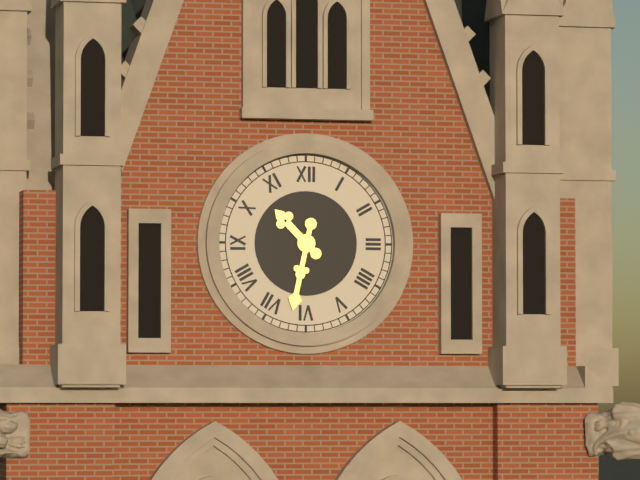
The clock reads 10h32
